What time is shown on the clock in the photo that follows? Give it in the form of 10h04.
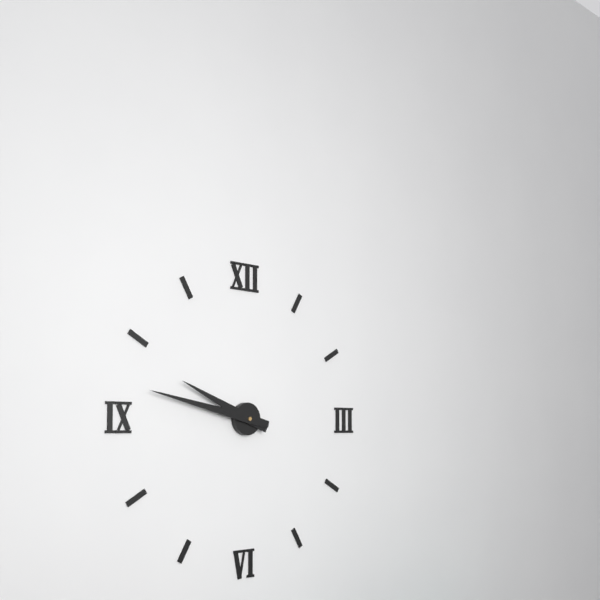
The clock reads 9h47
